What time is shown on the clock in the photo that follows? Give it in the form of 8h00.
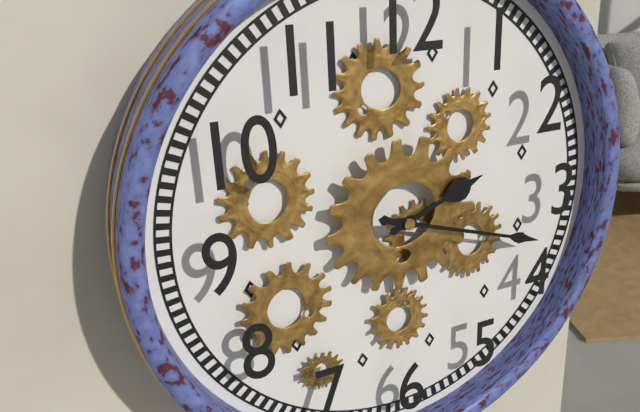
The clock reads 2h18
